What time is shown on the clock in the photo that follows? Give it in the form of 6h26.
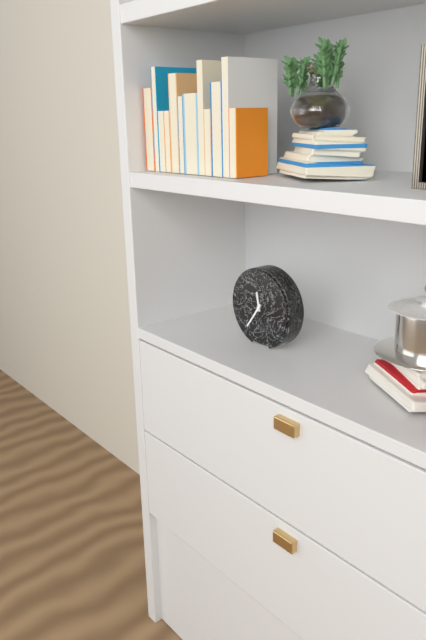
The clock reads 11h36
